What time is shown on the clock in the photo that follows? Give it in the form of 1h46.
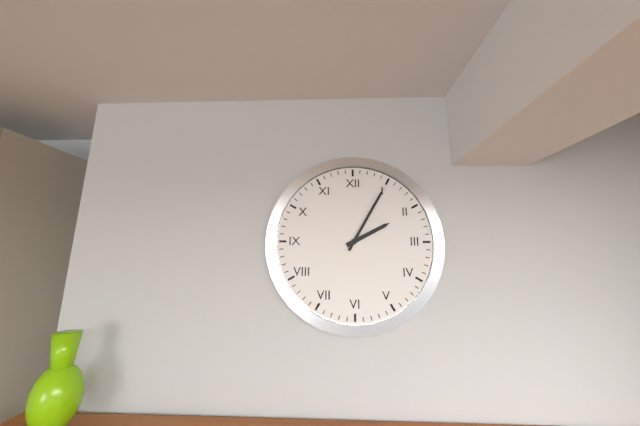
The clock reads 2h05
